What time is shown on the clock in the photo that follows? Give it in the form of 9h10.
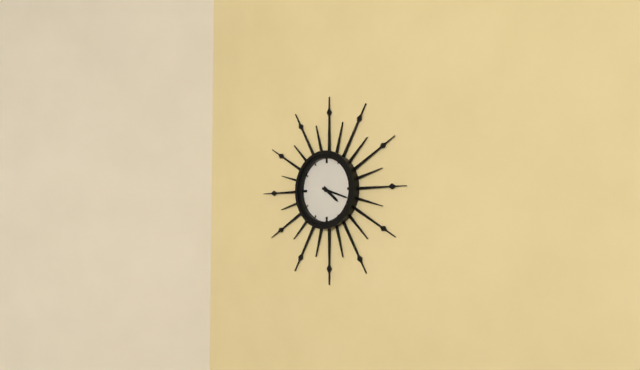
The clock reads 4h18
